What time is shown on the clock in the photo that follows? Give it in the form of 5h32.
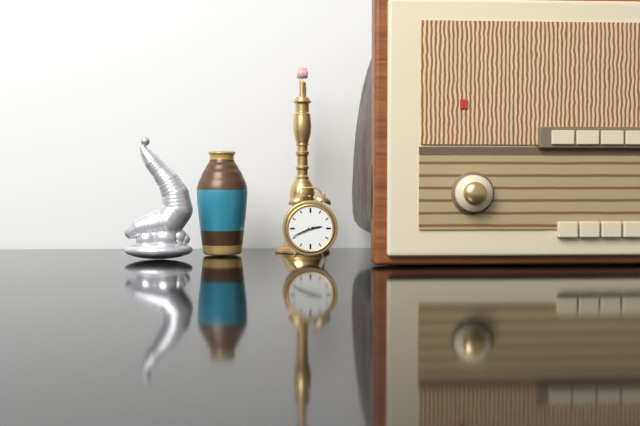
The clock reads 2h41
